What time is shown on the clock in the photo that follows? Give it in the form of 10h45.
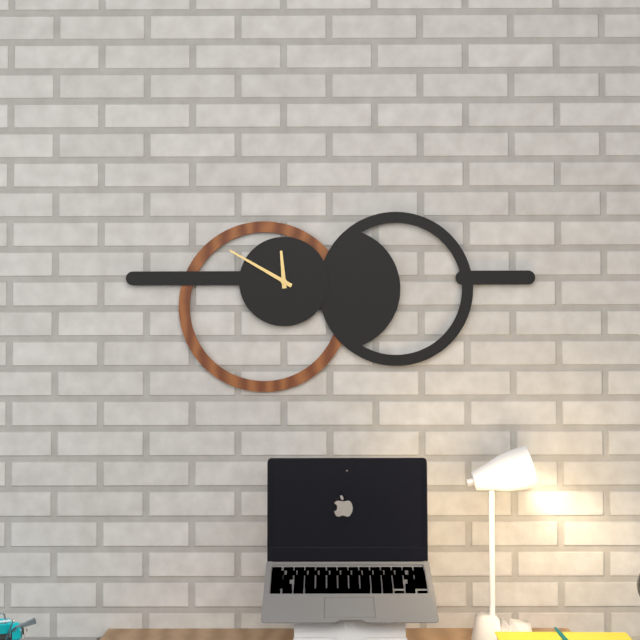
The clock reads 11h50
